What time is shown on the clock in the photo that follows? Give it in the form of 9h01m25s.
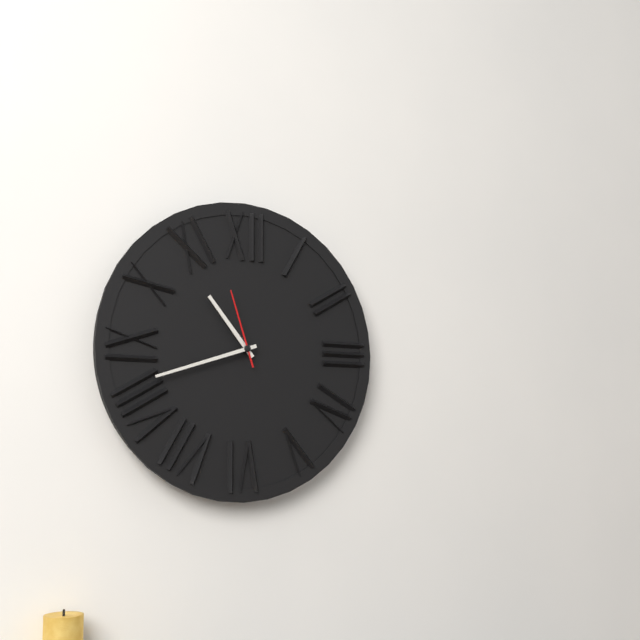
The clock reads 10h42m57s
